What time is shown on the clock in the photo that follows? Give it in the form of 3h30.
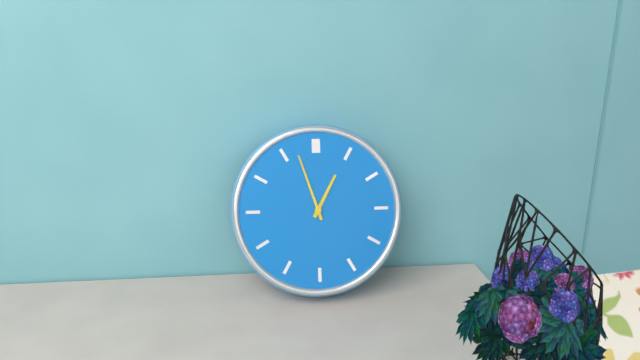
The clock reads 12h57
